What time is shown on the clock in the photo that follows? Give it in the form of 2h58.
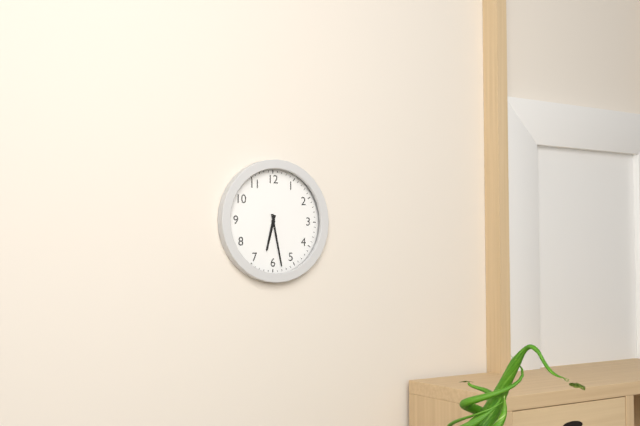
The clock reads 6h28
